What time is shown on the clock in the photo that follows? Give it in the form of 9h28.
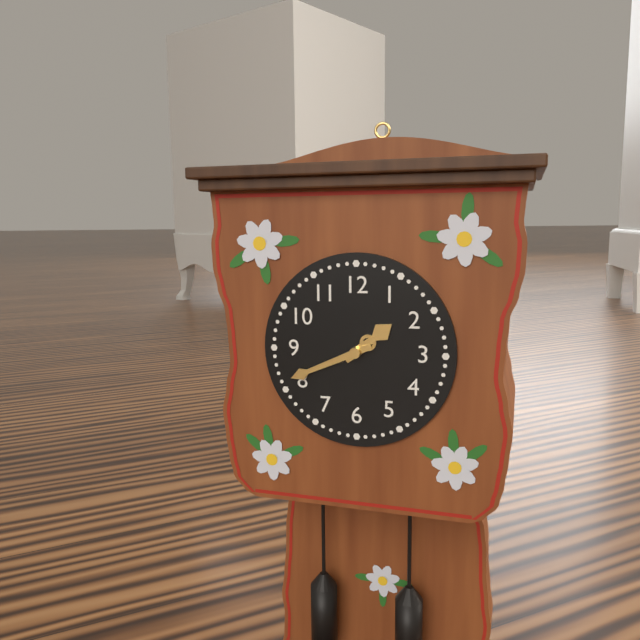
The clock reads 1h41
